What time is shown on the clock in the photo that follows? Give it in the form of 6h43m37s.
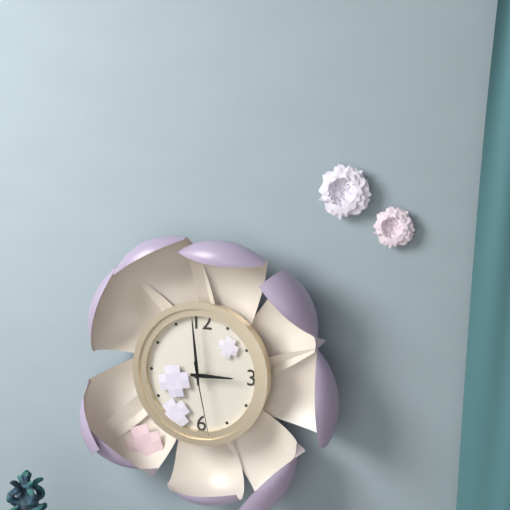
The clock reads 2h59m28s
